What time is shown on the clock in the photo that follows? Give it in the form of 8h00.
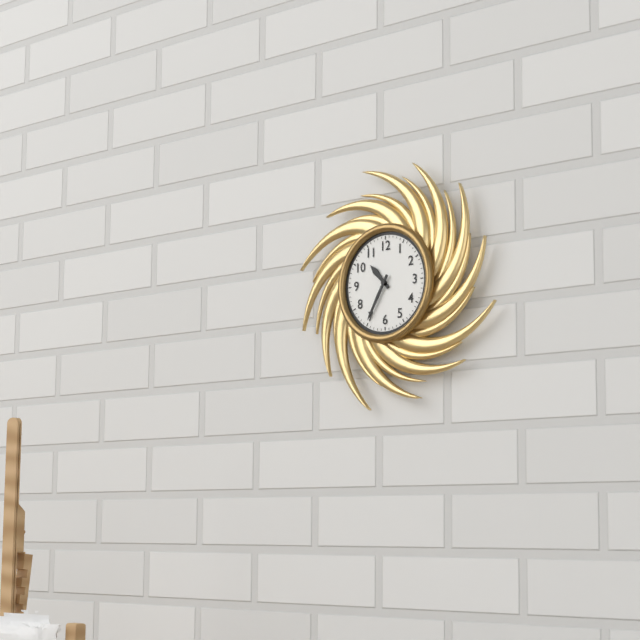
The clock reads 10h35
